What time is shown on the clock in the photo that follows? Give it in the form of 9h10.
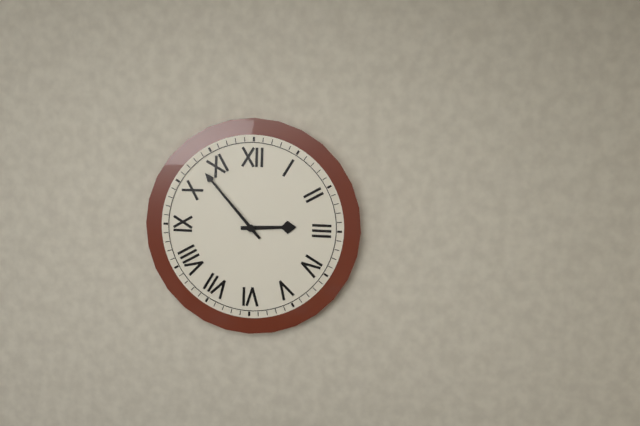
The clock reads 2h53
